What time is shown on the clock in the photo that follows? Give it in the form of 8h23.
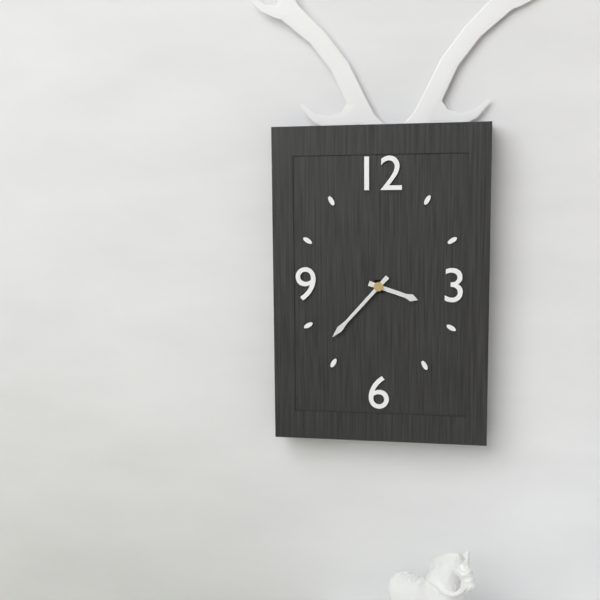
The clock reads 3h37
